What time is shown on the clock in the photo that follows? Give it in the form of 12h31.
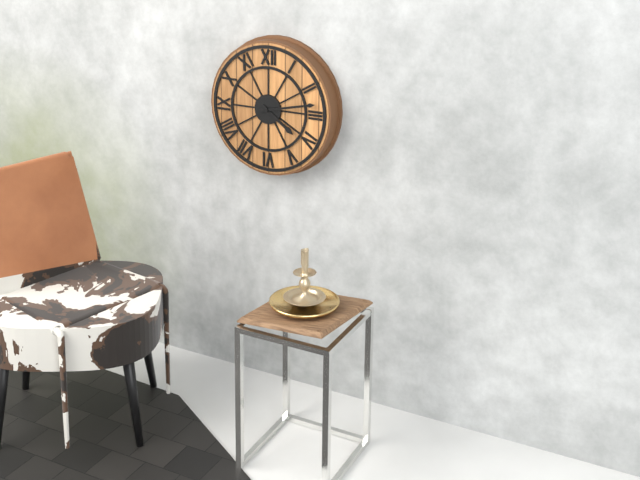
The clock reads 4h13
